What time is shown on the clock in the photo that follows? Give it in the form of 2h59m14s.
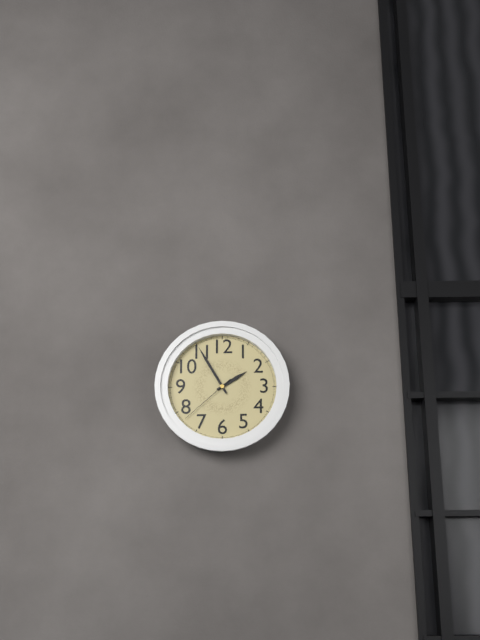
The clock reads 1h55m38s
